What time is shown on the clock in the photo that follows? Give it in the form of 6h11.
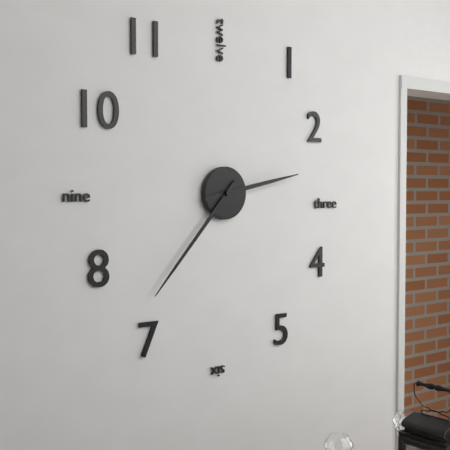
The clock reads 2h37
